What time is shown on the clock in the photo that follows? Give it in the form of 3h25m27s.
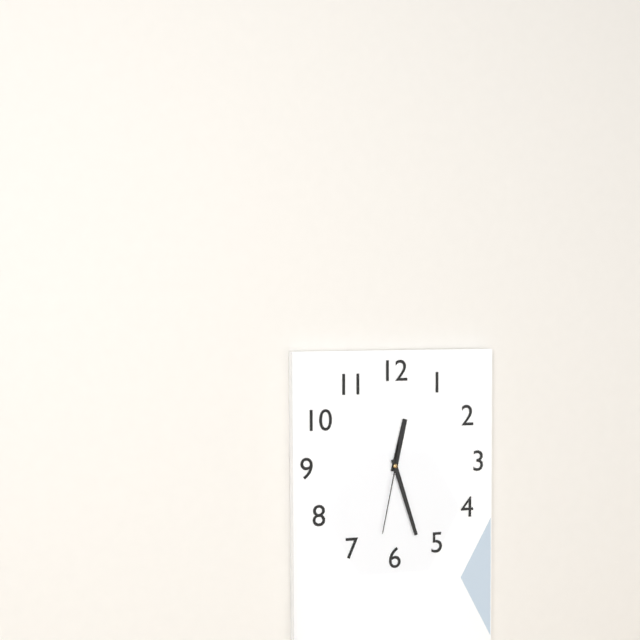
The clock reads 12h27m32s
